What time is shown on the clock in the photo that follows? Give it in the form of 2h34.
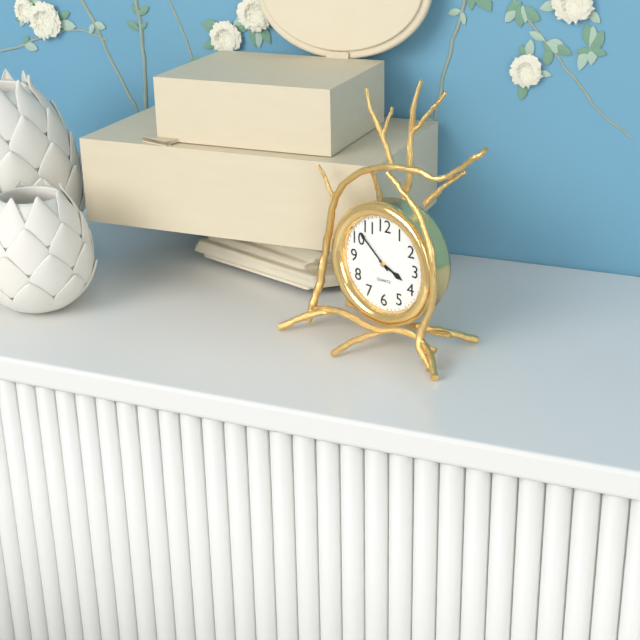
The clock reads 3h52
